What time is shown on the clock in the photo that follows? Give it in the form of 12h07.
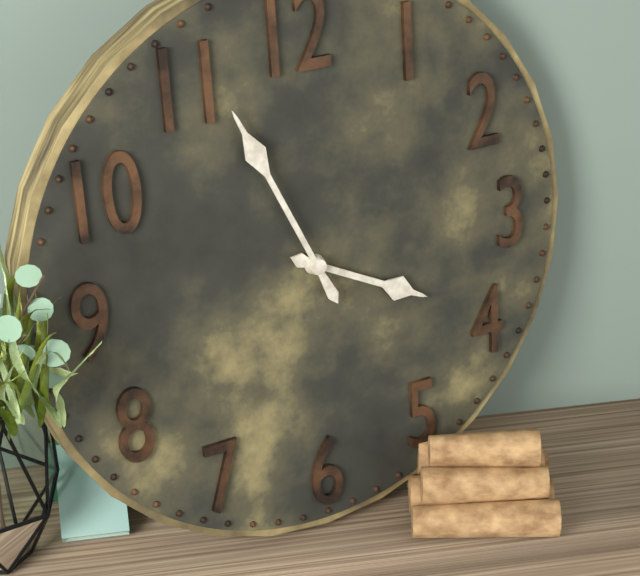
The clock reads 3h56
